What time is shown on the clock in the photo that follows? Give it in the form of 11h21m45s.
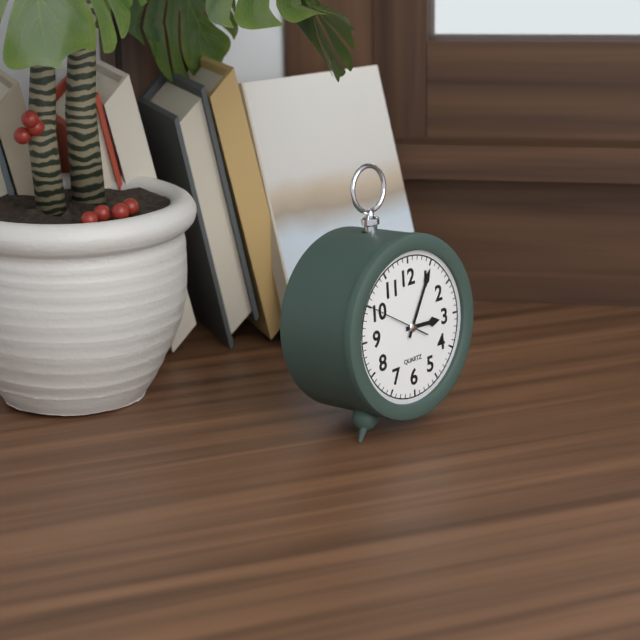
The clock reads 3h05m50s
